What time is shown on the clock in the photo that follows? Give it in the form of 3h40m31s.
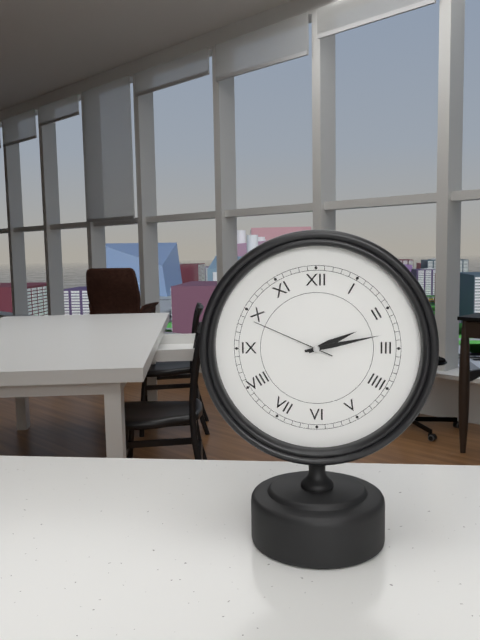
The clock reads 2h13m49s
